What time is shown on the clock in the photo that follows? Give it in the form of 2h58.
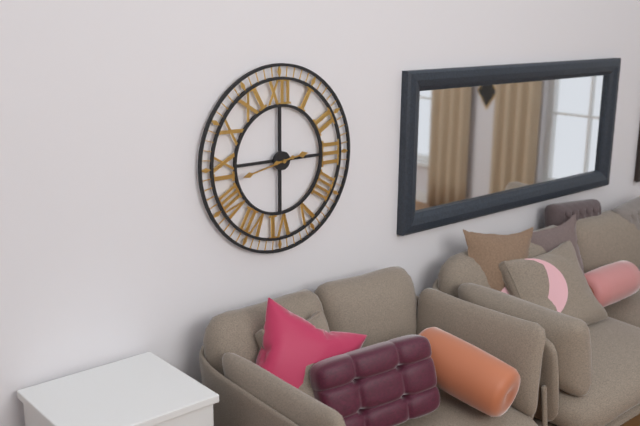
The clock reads 2h43
